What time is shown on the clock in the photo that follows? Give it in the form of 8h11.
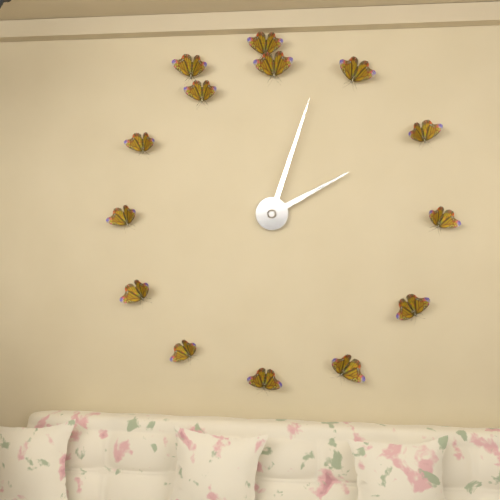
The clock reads 2h03
